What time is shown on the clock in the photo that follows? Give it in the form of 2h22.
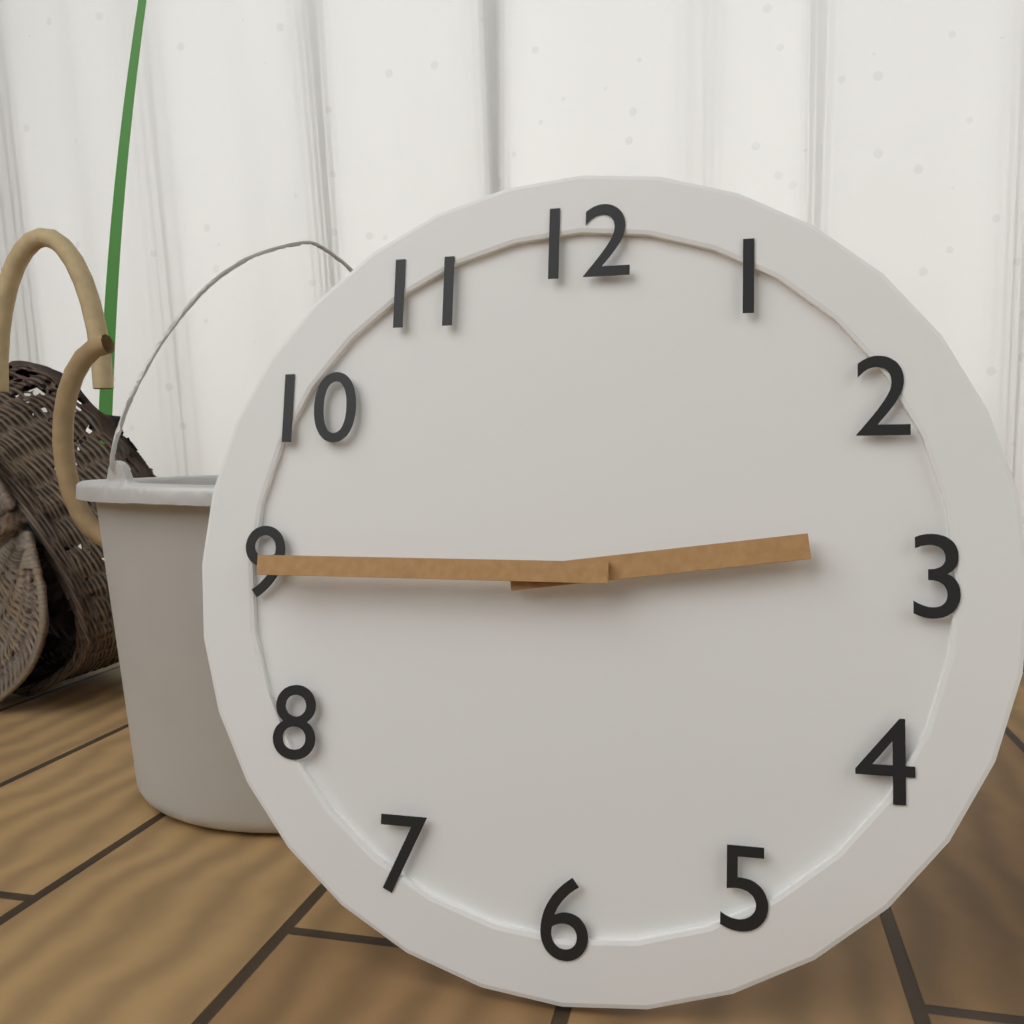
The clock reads 2h45
